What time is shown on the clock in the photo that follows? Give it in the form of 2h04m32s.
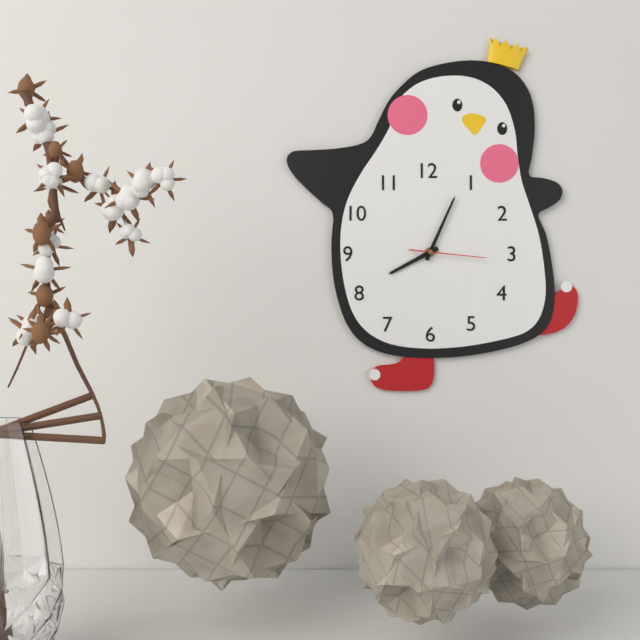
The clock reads 8h04m16s
